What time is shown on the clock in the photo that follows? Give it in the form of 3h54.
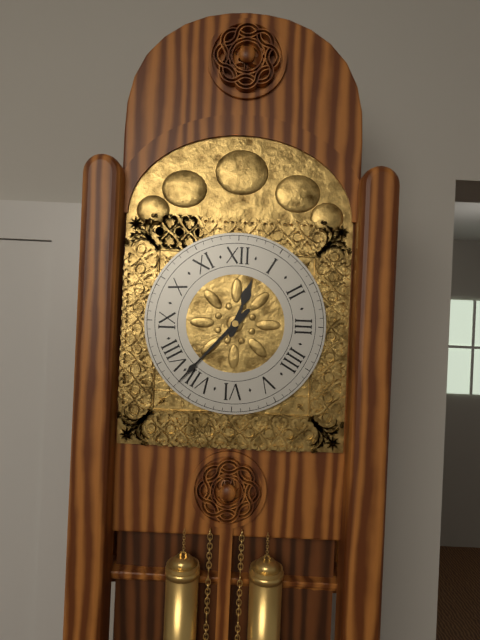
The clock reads 12h37
